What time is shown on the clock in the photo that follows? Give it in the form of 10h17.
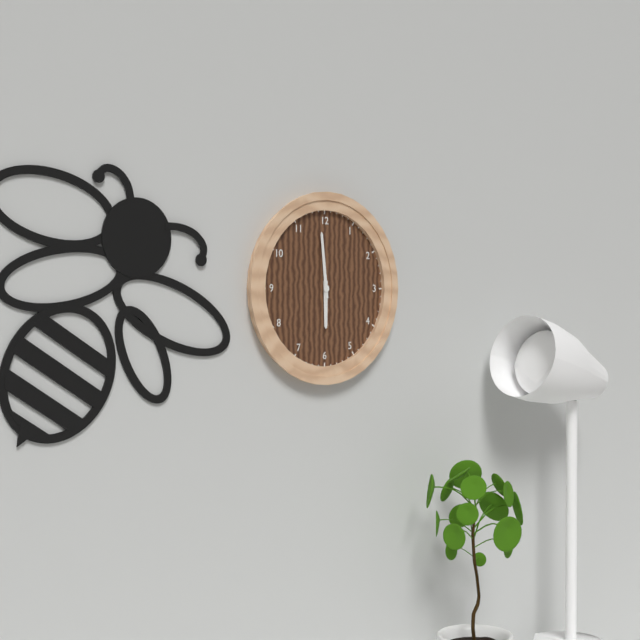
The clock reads 5h59
